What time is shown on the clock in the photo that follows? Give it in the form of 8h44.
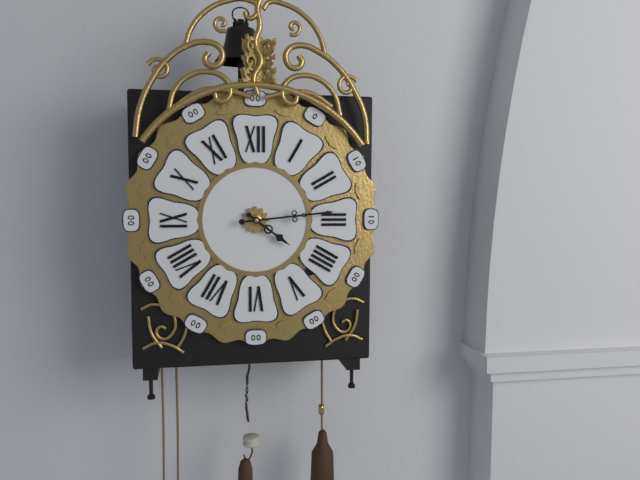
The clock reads 4h14
